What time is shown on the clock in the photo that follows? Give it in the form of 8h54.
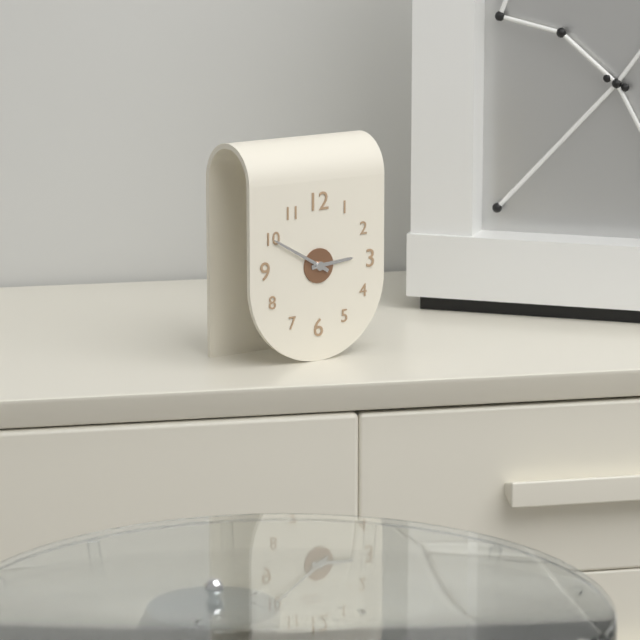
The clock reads 2h50
